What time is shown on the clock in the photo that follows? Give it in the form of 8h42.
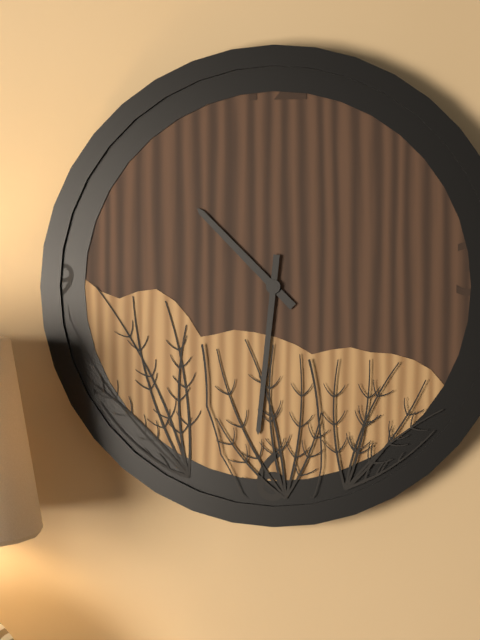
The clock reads 10h31
